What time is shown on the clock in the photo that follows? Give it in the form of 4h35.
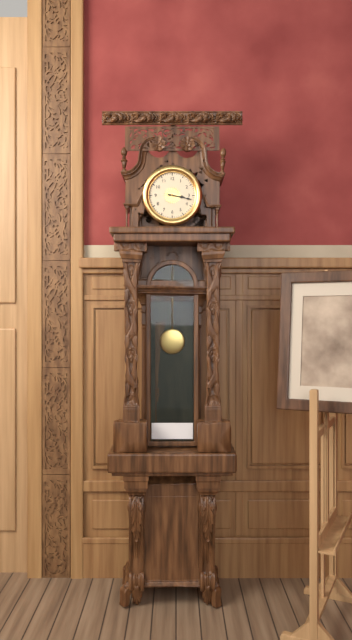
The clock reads 3h17
